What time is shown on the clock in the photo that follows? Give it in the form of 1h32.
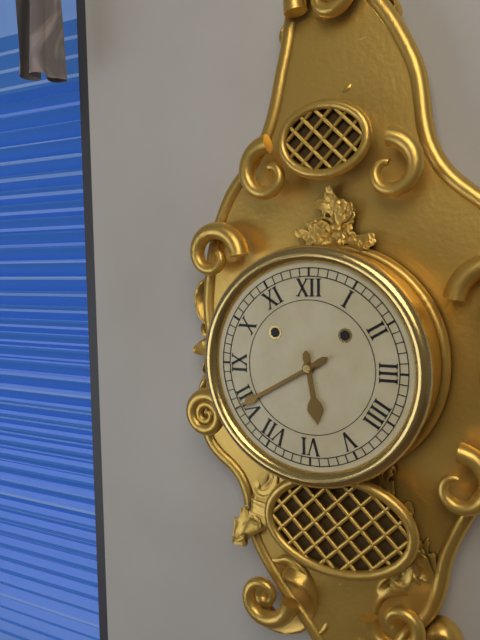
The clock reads 5h40
